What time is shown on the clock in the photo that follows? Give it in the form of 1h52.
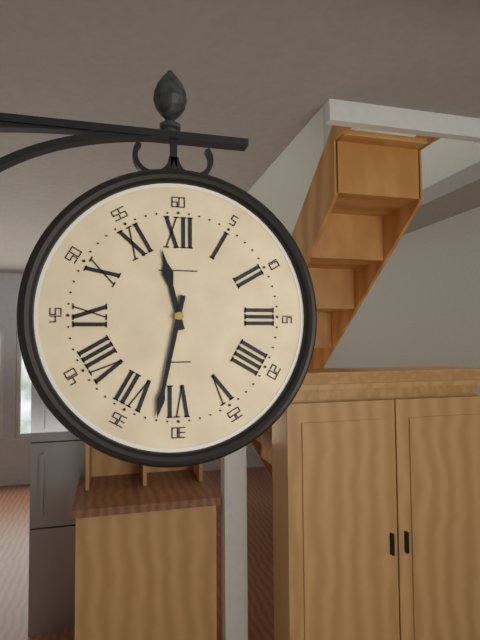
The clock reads 11h32
